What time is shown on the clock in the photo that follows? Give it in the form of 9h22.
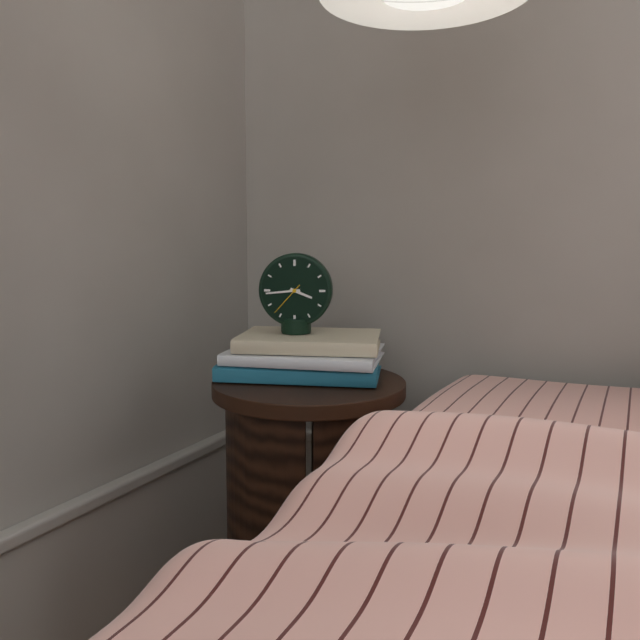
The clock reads 3h44
